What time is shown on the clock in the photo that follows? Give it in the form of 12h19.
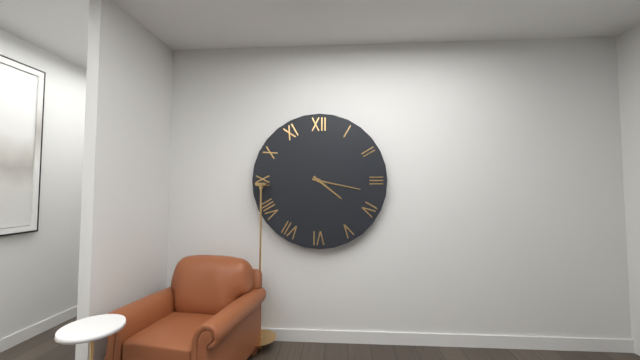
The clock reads 4h17
